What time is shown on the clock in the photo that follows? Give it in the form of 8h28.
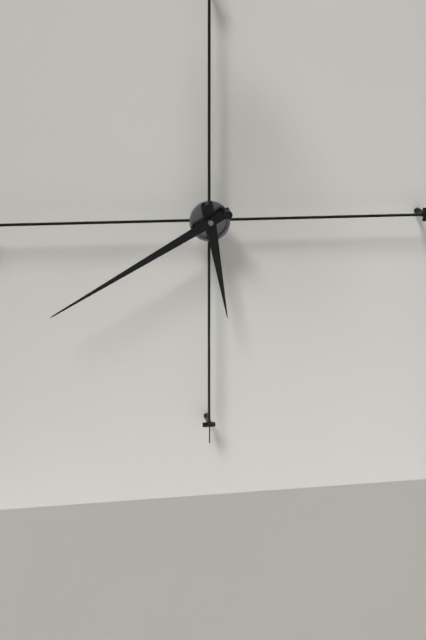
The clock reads 5h40
